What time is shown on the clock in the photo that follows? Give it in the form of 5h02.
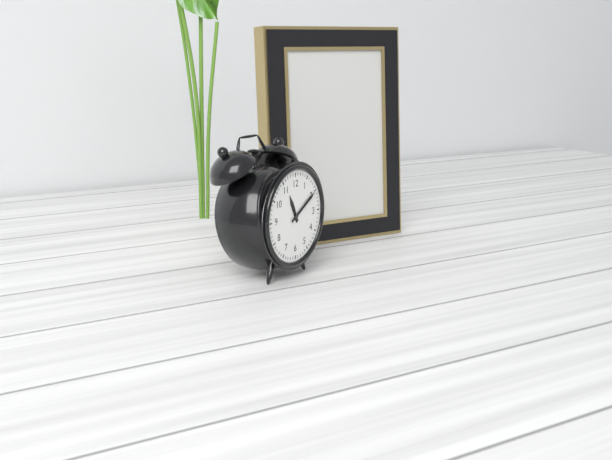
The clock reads 11h10
